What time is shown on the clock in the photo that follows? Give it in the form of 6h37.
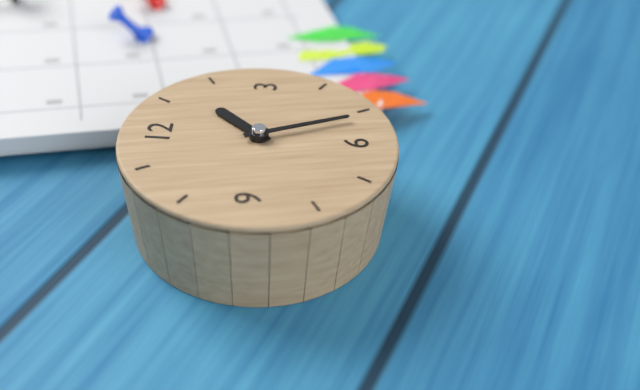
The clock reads 1h26
